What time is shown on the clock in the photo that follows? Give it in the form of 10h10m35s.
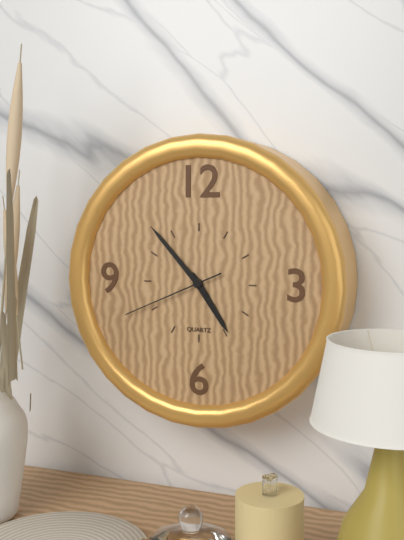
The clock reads 4h53m41s
